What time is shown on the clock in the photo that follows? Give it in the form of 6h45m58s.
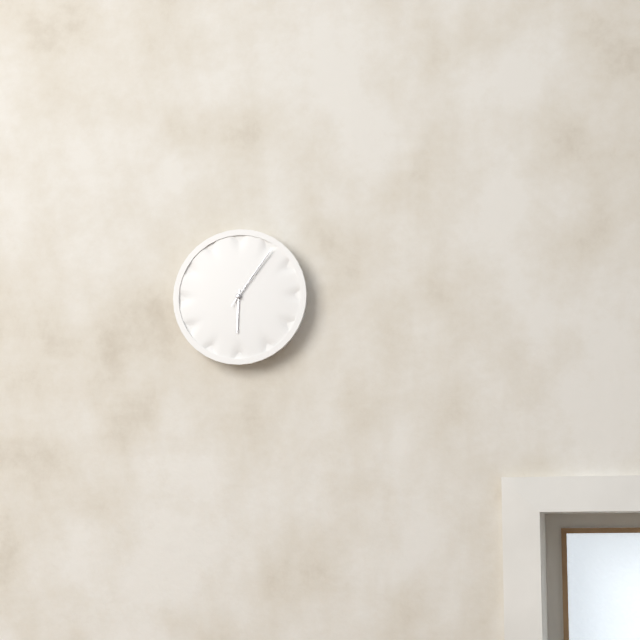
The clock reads 6h06m06s
